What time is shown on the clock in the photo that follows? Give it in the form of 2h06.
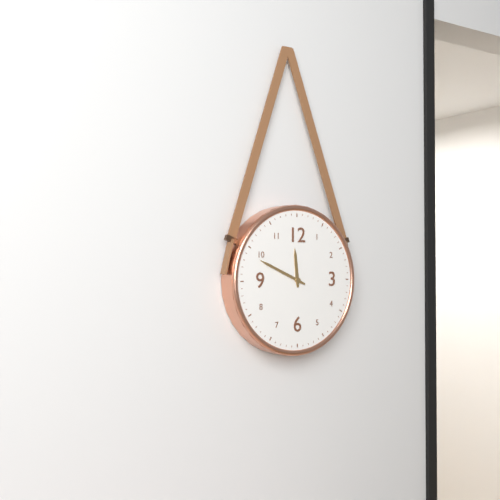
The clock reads 11h49
